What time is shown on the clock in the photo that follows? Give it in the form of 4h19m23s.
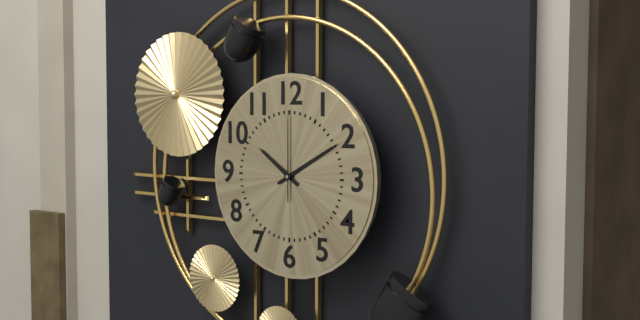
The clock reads 10h10m00s
